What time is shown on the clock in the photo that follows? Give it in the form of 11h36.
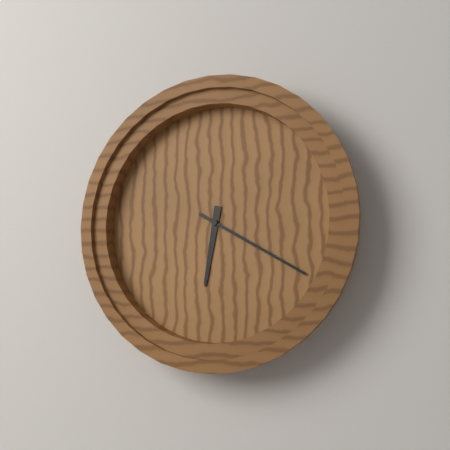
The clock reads 6h20
